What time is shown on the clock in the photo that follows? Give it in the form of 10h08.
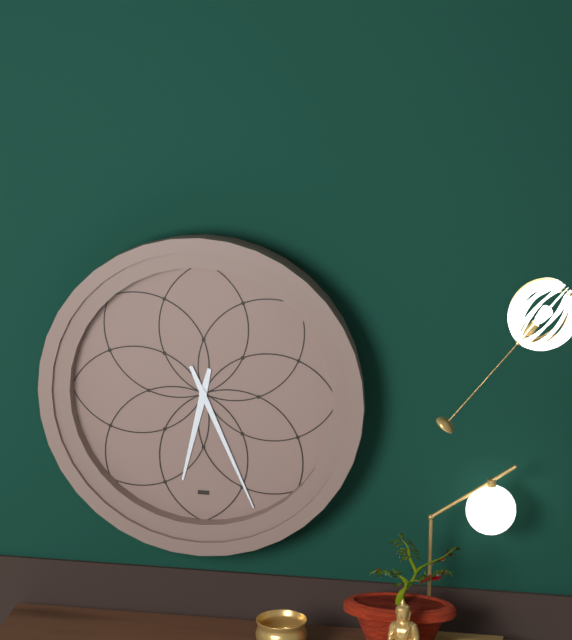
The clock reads 6h26
